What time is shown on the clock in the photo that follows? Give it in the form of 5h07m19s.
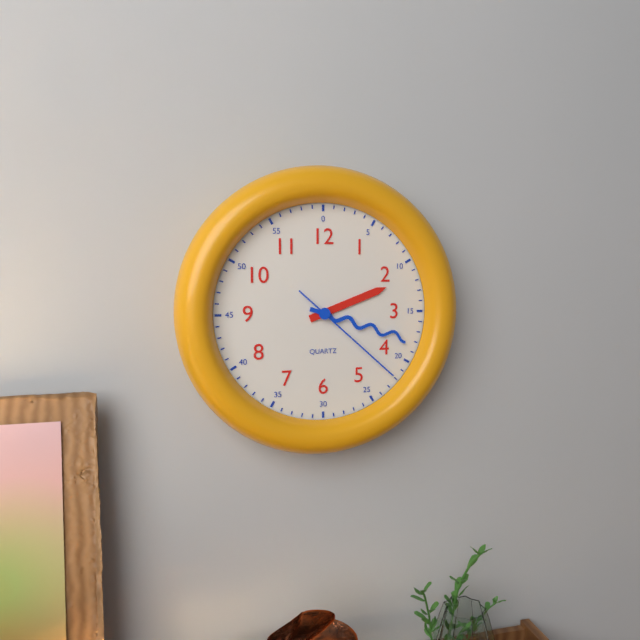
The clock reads 2h18m22s
